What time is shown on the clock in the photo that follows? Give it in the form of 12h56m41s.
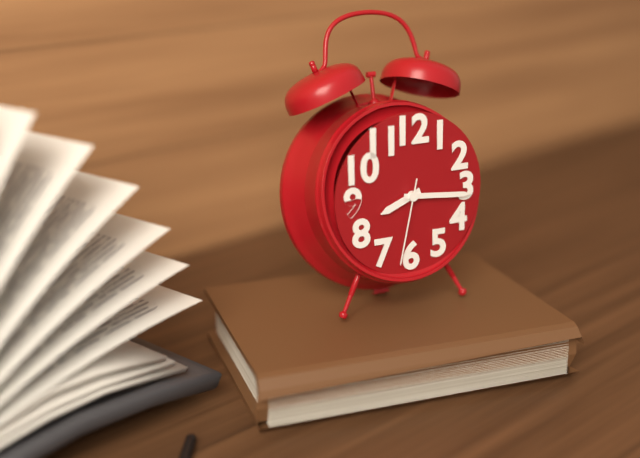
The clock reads 8h16m32s
